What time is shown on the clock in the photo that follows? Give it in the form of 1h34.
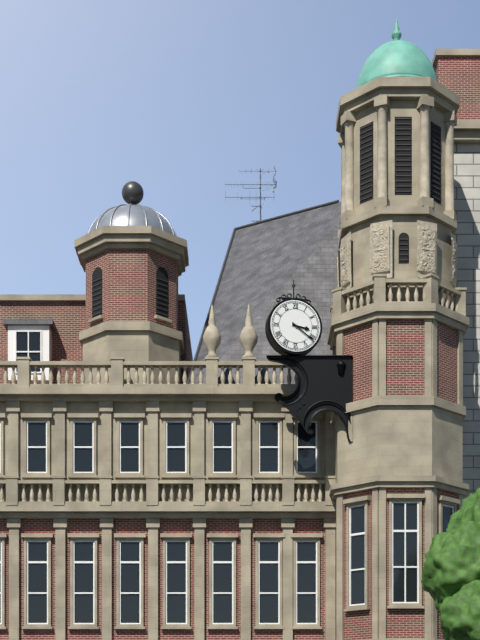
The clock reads 3h21
